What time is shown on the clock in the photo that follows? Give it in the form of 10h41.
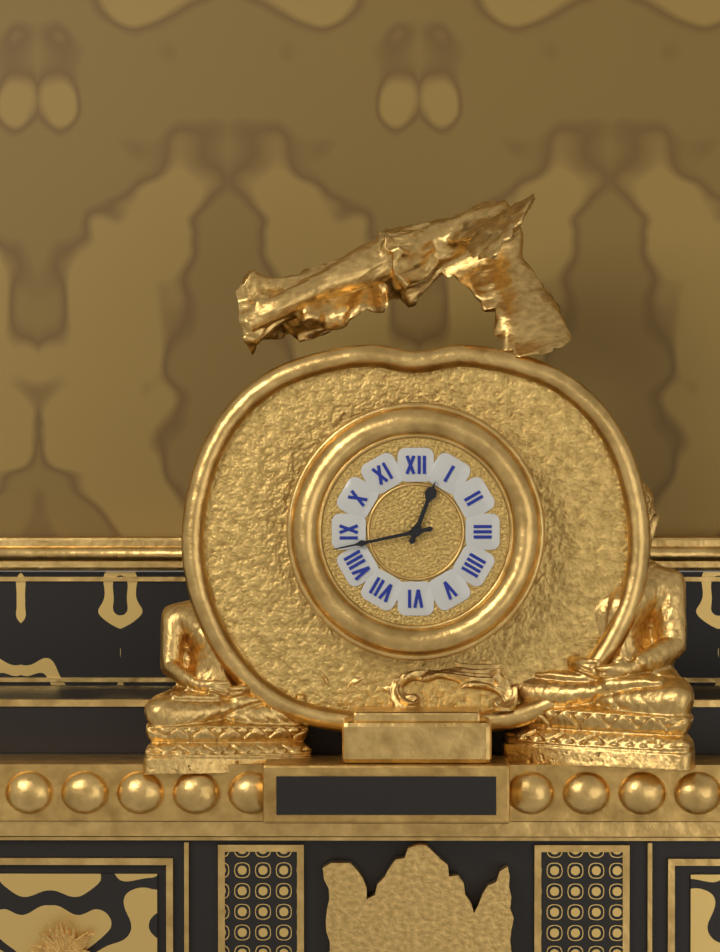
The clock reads 12h43
